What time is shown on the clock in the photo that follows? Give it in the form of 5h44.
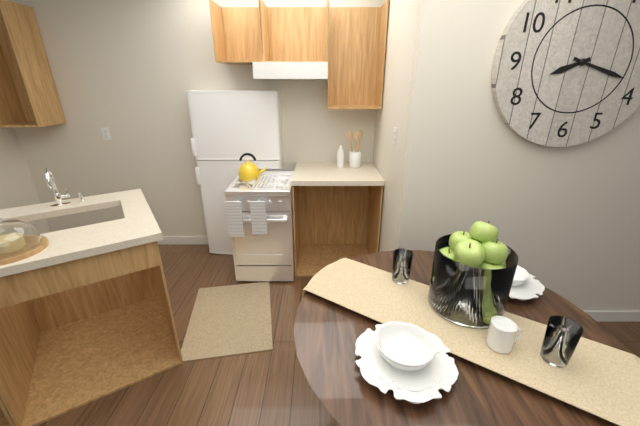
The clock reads 8h18
